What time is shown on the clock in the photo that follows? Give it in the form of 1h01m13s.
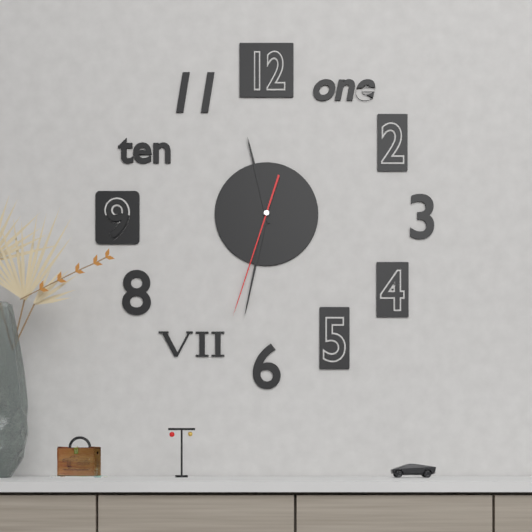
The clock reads 11h32m33s
